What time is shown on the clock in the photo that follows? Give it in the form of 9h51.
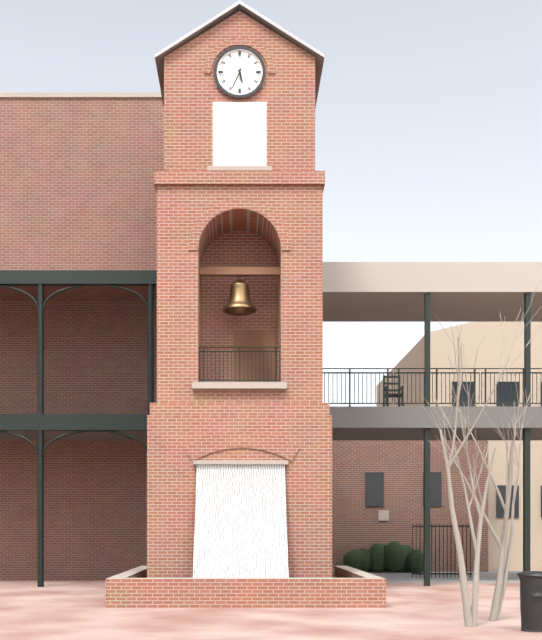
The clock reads 5h34
